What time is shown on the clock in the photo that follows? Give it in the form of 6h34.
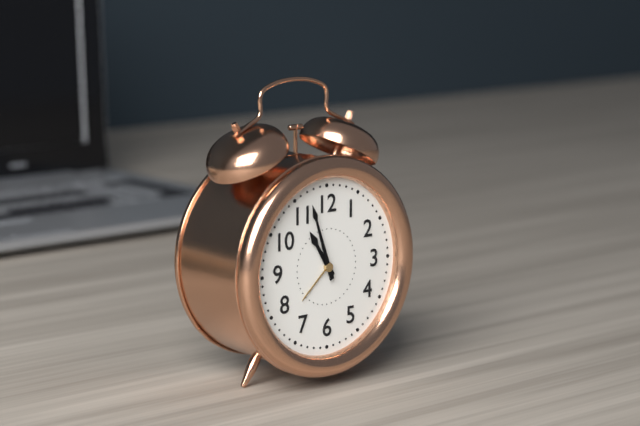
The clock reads 10h57
